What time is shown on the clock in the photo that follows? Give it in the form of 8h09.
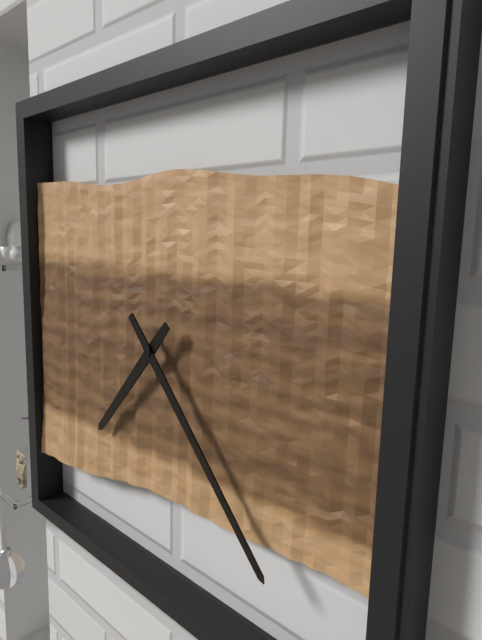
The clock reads 7h23
